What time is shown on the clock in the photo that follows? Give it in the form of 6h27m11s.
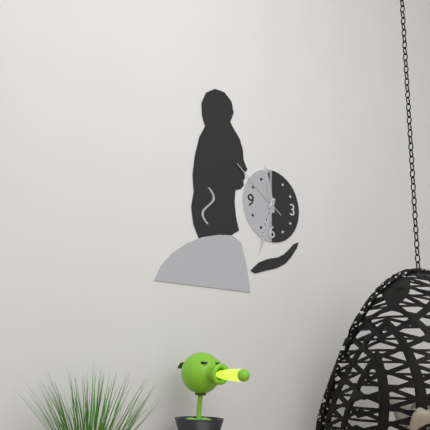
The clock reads 11h33m51s
